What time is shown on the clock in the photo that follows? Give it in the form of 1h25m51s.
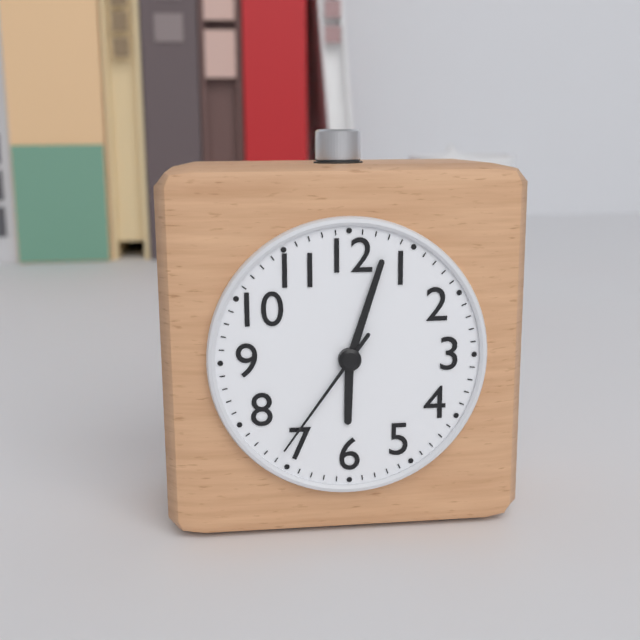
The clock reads 6h03m36s
